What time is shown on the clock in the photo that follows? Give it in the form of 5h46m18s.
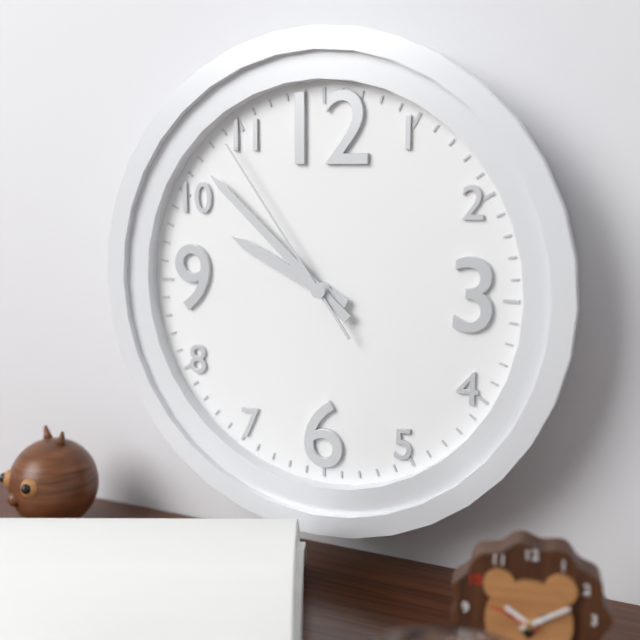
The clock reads 9h52m54s
